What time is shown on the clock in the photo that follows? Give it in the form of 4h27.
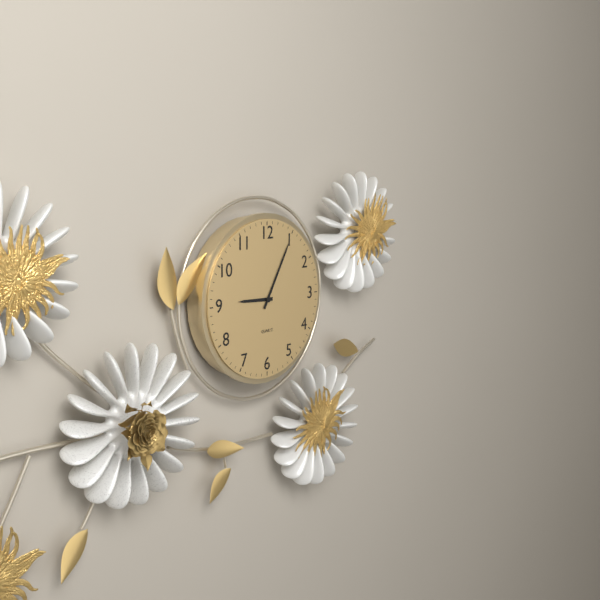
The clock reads 9h05
